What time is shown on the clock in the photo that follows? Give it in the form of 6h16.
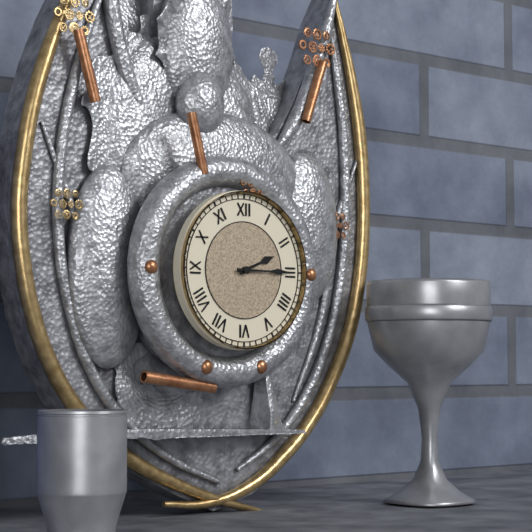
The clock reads 2h15
